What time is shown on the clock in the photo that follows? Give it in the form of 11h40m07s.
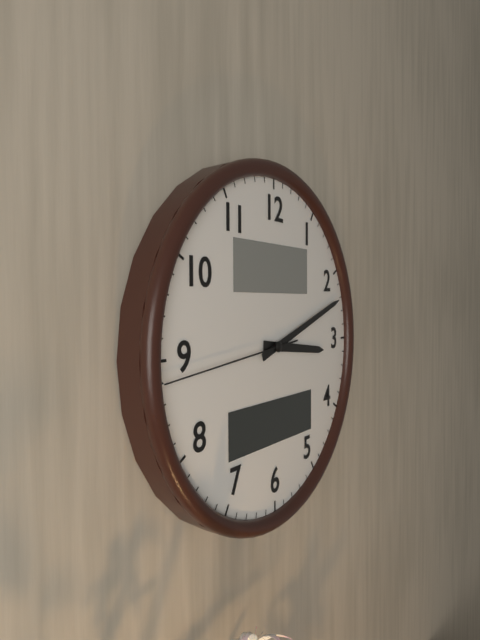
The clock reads 3h12m44s
